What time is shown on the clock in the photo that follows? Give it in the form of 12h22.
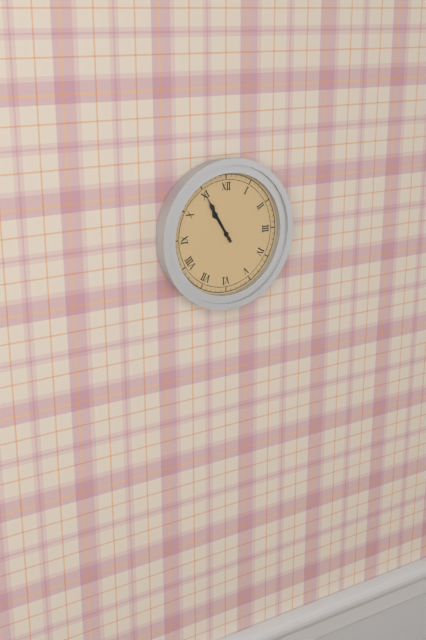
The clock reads 10h55
